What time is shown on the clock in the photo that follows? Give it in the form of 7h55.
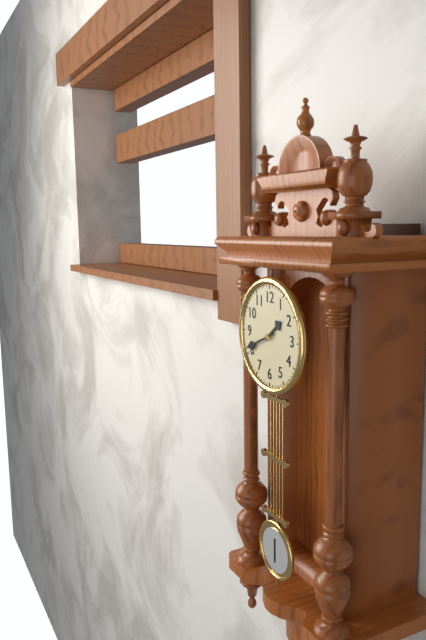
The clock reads 1h41
